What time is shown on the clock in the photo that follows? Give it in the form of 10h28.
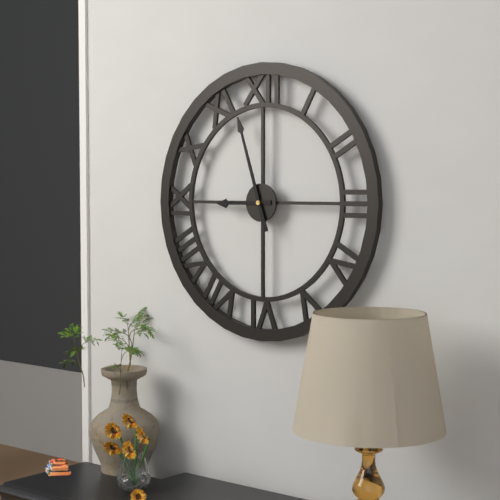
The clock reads 8h57
